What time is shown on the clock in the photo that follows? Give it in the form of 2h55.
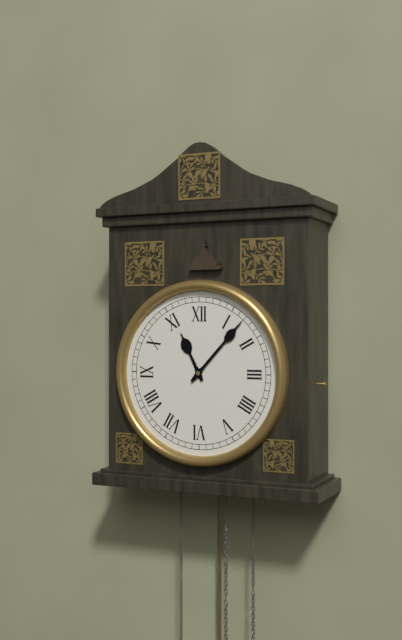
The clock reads 11h07
